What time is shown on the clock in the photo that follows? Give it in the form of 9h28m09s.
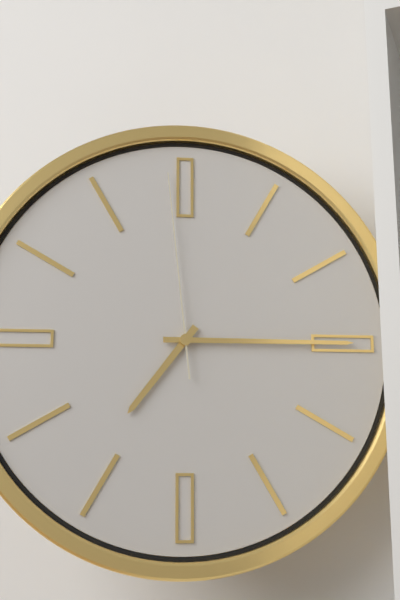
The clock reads 7h15m59s
